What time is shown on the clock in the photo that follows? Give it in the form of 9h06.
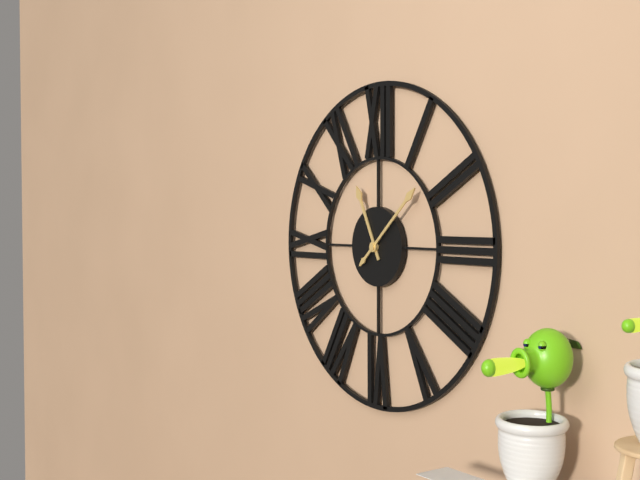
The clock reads 11h08
